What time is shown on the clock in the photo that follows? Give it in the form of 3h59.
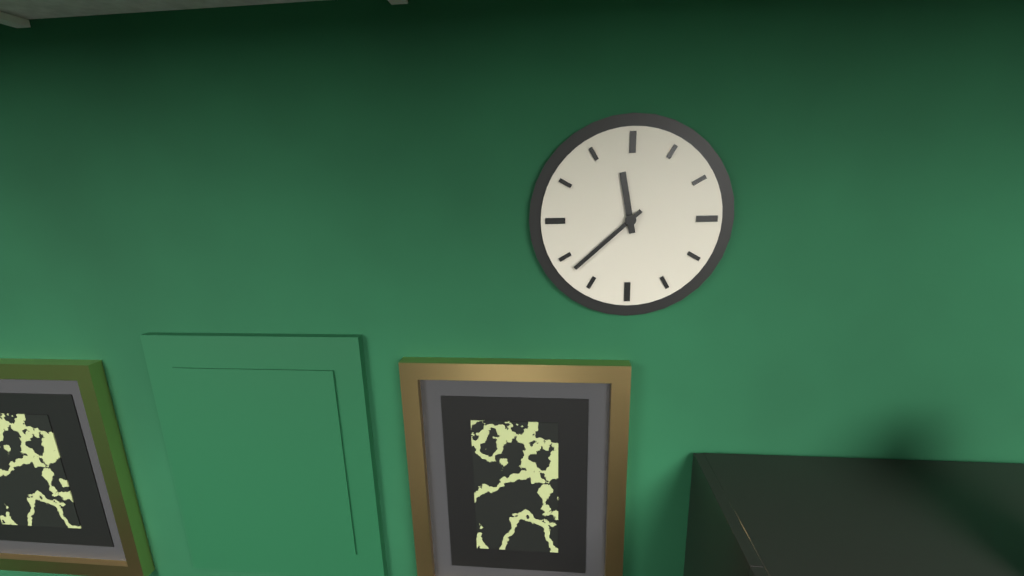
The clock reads 11h38
